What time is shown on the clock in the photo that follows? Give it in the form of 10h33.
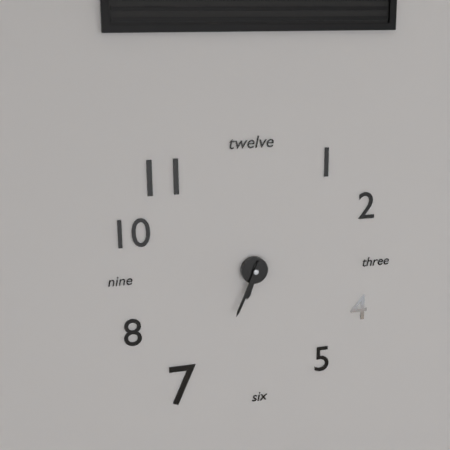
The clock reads 6h34
